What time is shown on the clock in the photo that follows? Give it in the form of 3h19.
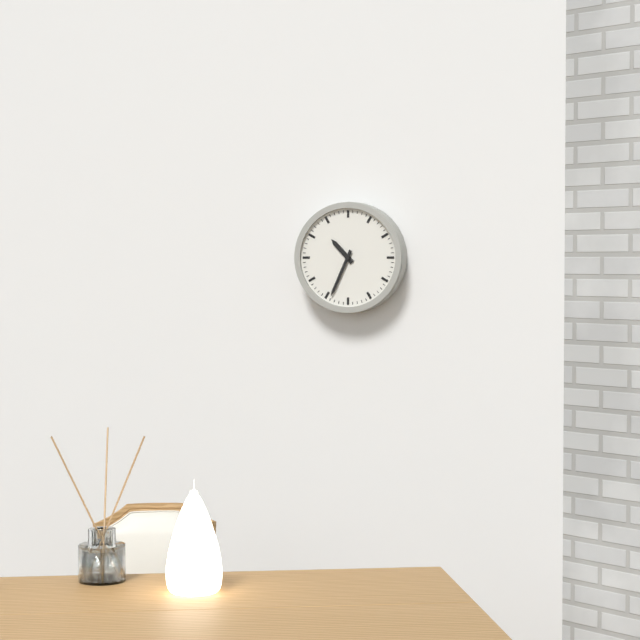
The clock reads 10h34
